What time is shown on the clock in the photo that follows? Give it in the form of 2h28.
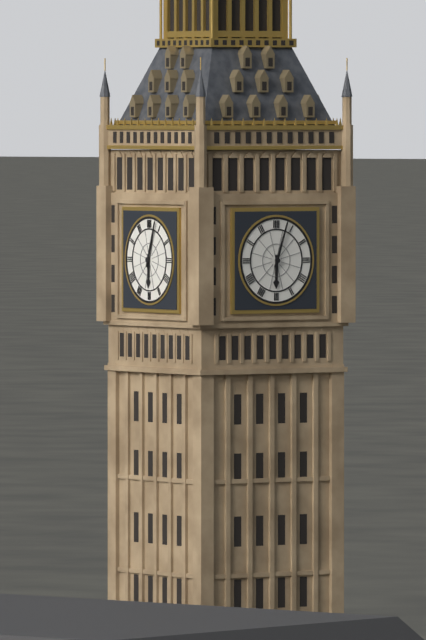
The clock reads 6h03
